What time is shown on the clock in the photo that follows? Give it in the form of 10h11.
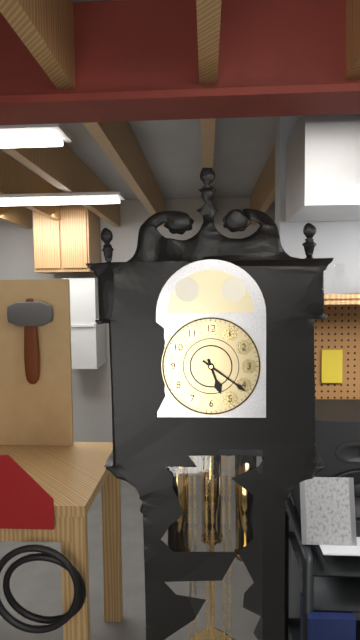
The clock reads 5h21
